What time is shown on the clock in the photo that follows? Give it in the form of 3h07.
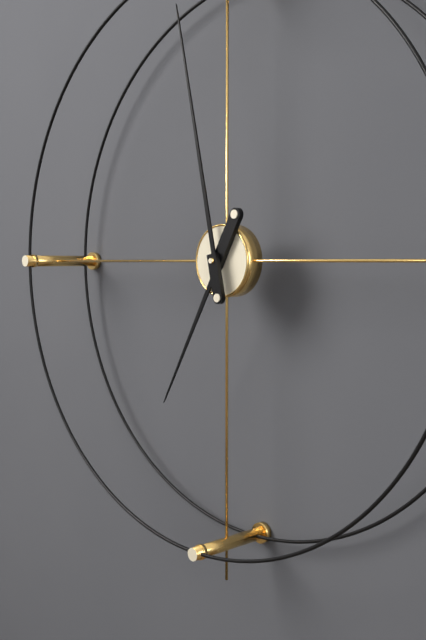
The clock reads 6h58
